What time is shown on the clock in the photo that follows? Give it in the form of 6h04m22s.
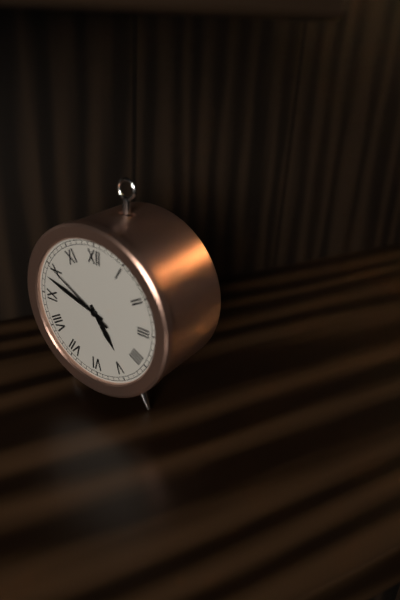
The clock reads 4h48m50s
